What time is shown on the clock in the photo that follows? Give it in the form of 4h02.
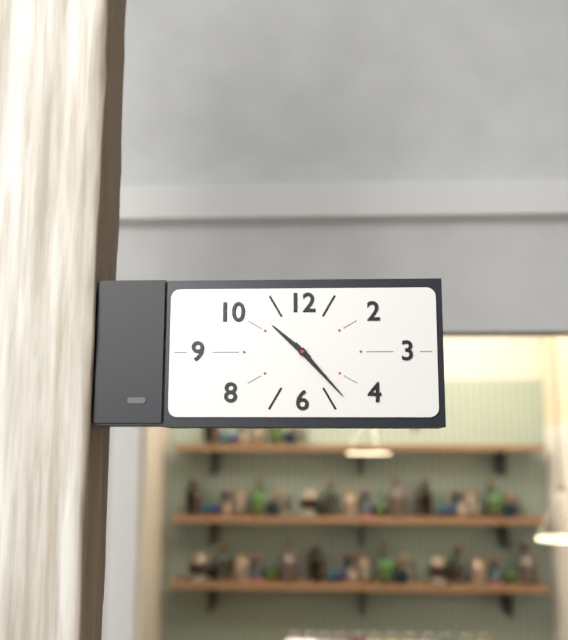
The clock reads 10h23
